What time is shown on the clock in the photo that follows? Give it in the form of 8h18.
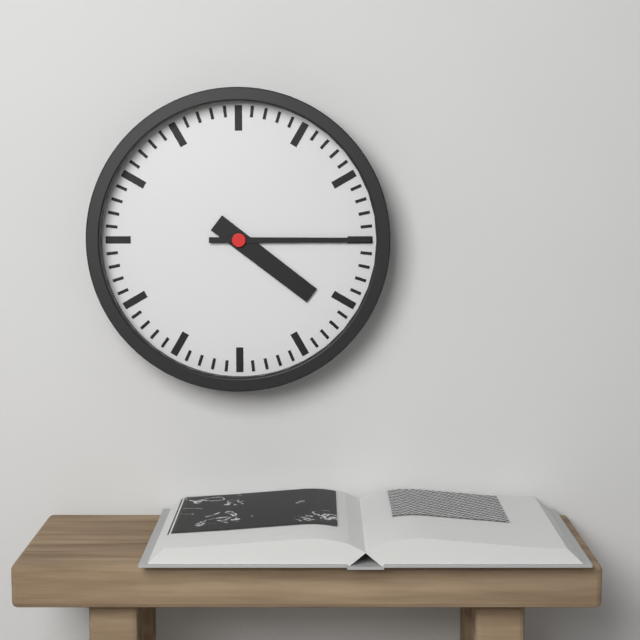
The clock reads 4h15
